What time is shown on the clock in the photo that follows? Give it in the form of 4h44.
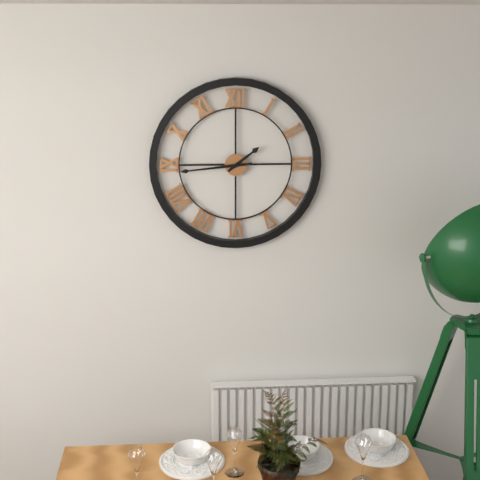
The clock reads 1h44
